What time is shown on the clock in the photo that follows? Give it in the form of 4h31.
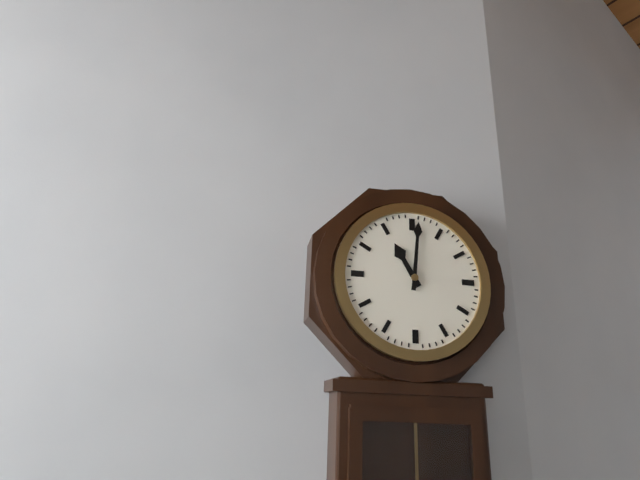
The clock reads 11h01
